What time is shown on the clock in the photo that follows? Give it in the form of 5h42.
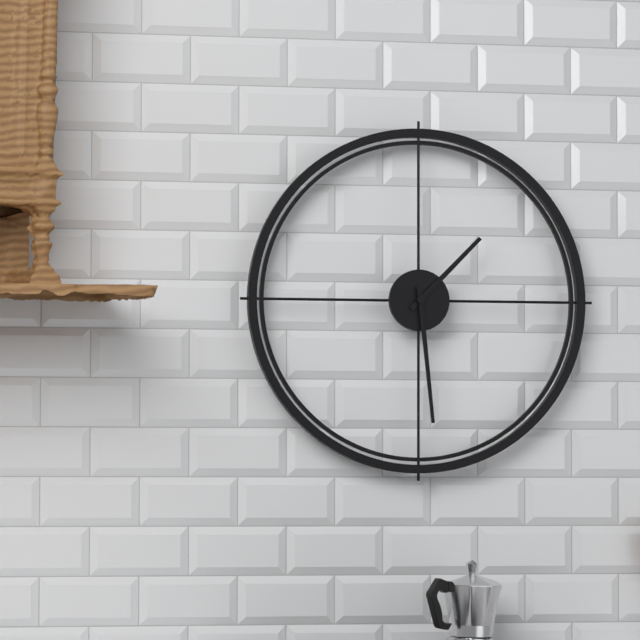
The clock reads 1h29
